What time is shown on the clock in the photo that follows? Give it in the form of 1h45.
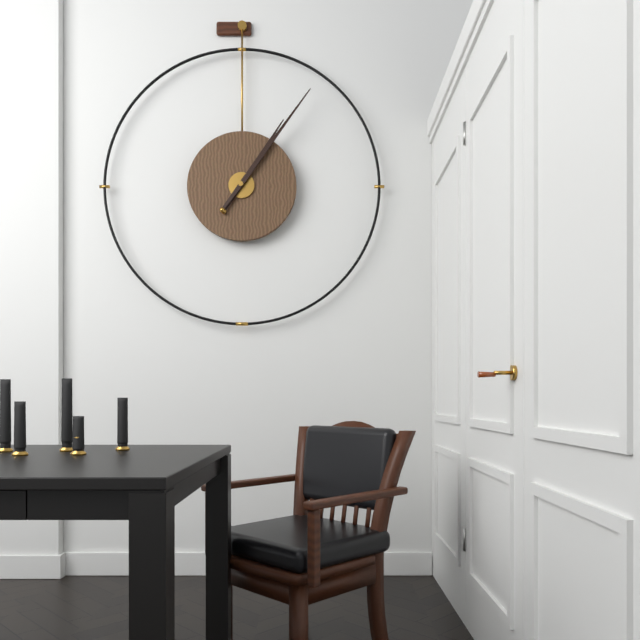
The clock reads 1h06
